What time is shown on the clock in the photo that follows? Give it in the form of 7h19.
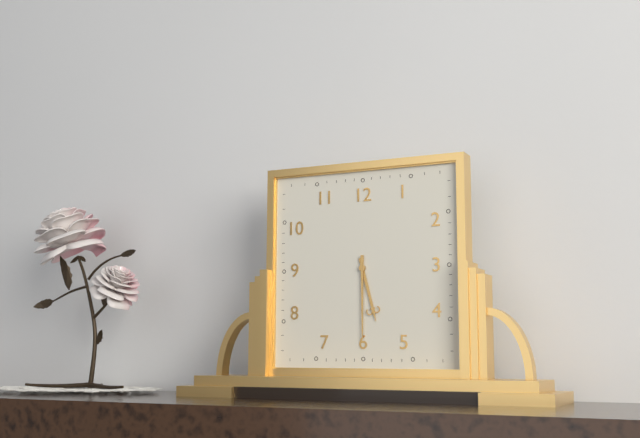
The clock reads 5h30
